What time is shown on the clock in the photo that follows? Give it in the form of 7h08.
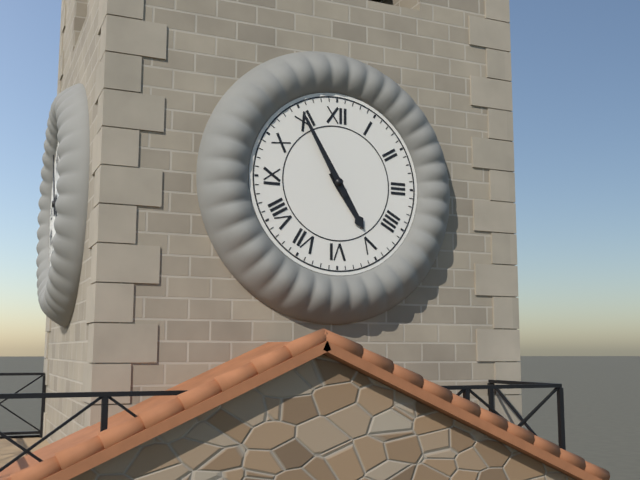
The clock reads 4h55
